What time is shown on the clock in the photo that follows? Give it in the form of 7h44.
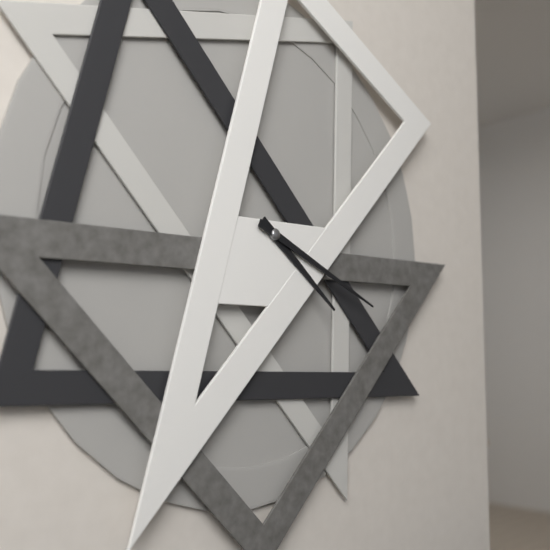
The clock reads 4h19
